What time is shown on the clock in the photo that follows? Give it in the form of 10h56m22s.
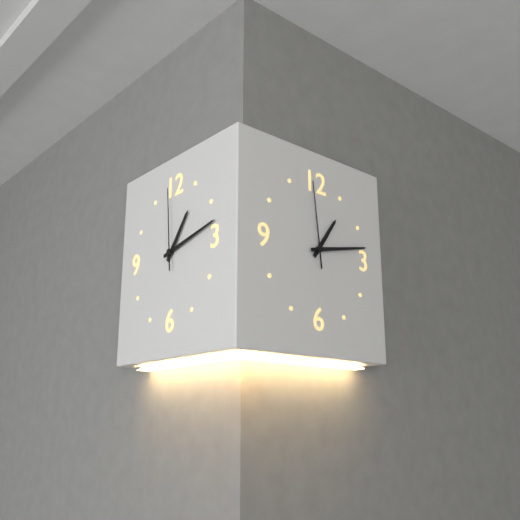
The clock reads 1h13m59s
